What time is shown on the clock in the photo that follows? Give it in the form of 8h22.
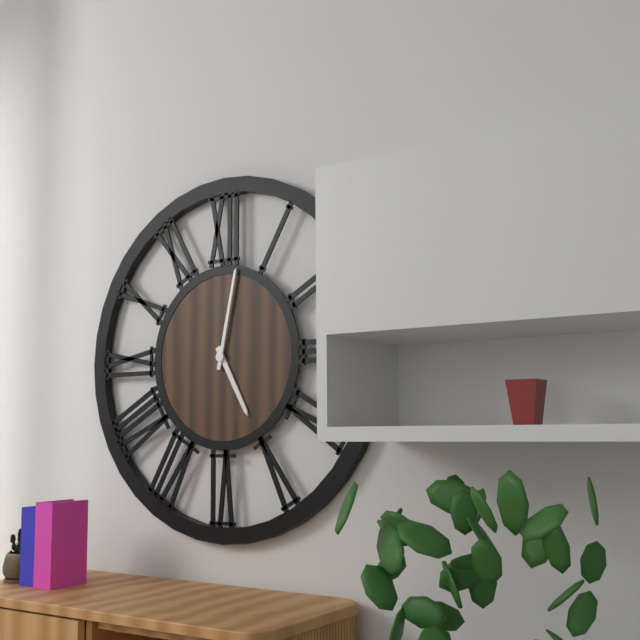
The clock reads 5h02
